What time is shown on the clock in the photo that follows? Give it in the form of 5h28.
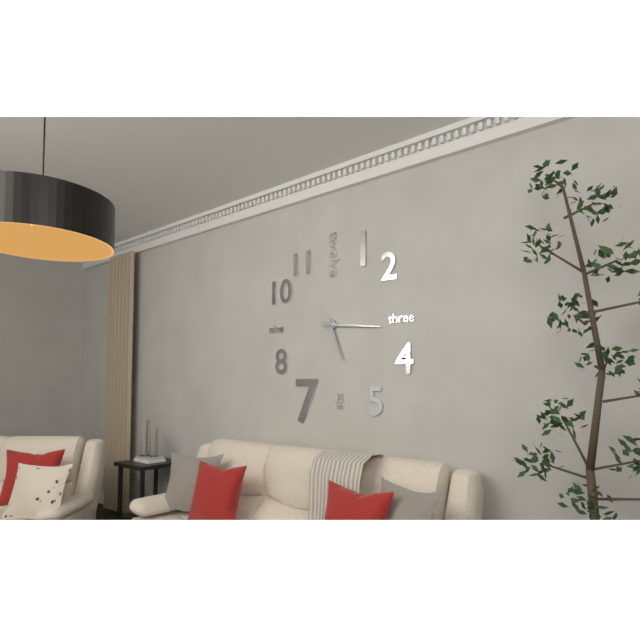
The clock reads 5h16
